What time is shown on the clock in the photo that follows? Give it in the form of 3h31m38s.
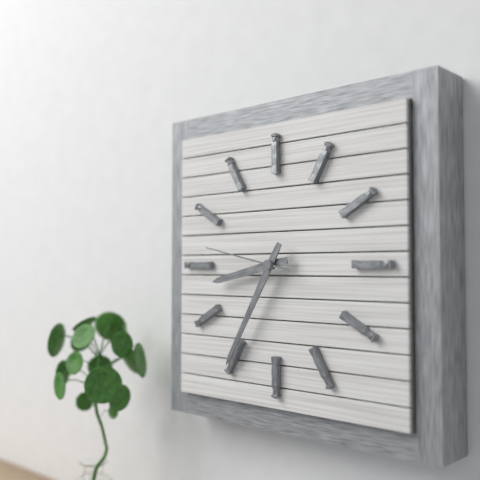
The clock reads 8h35m47s
